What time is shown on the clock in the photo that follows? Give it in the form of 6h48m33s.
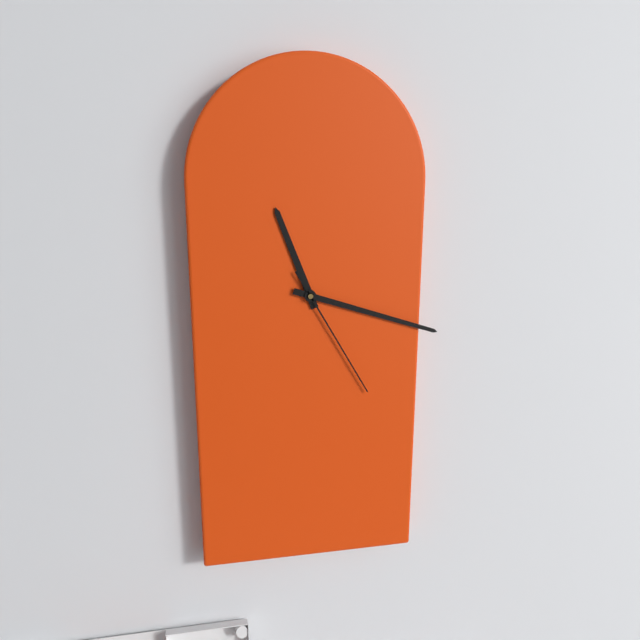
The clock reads 11h18m25s
